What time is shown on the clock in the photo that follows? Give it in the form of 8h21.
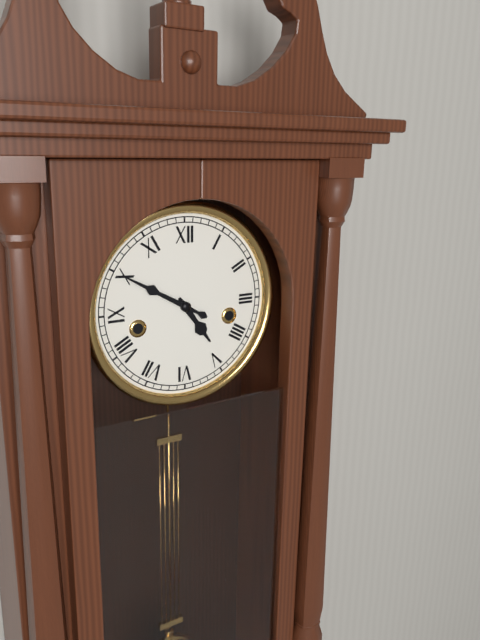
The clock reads 4h50
